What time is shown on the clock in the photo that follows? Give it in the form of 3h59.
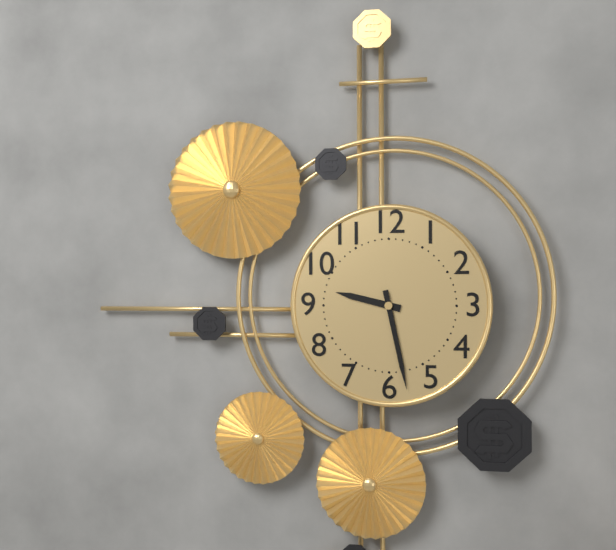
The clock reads 9h28
